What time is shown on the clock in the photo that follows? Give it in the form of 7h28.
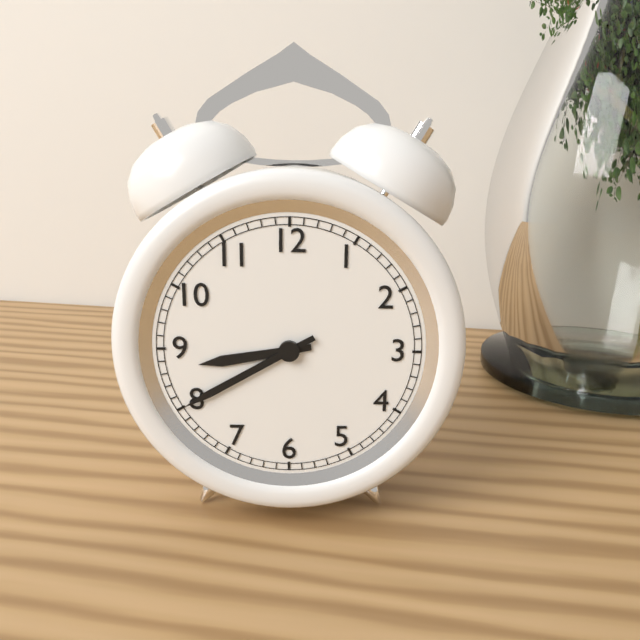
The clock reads 8h40
